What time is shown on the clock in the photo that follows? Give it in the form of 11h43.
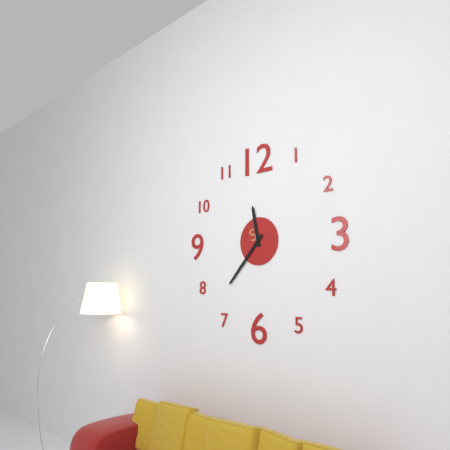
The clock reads 11h37
